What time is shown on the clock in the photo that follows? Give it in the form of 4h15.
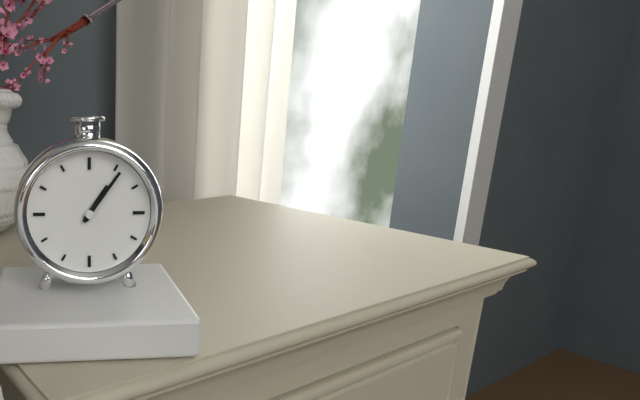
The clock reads 1h06
